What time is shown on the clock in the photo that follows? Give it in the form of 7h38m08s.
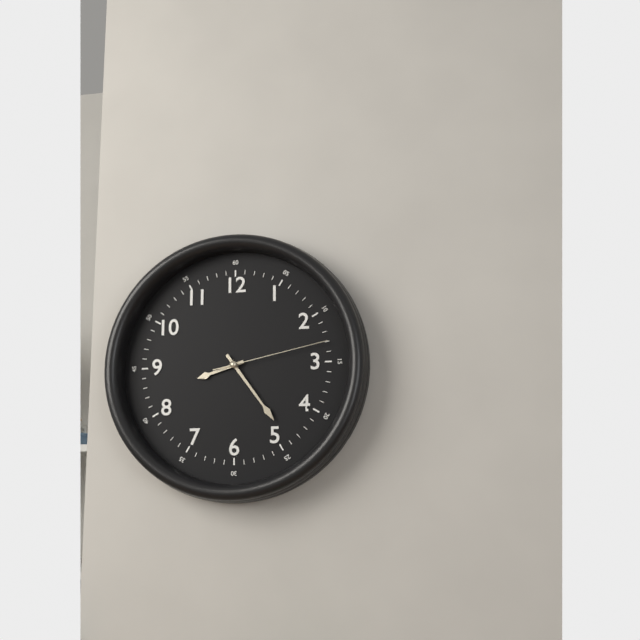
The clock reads 8h24m13s
